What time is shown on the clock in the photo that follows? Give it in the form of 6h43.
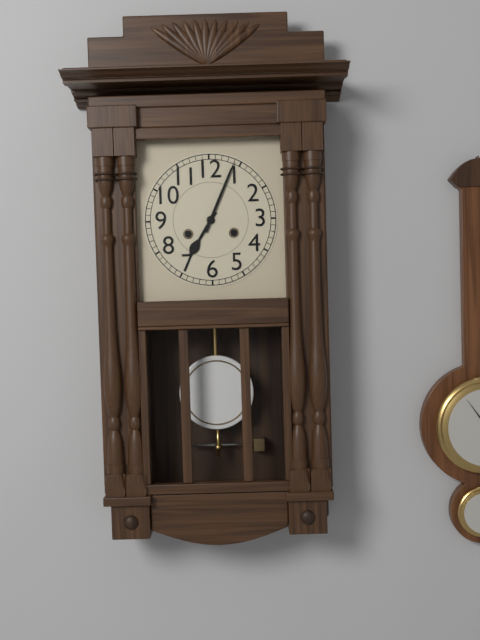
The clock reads 7h04
